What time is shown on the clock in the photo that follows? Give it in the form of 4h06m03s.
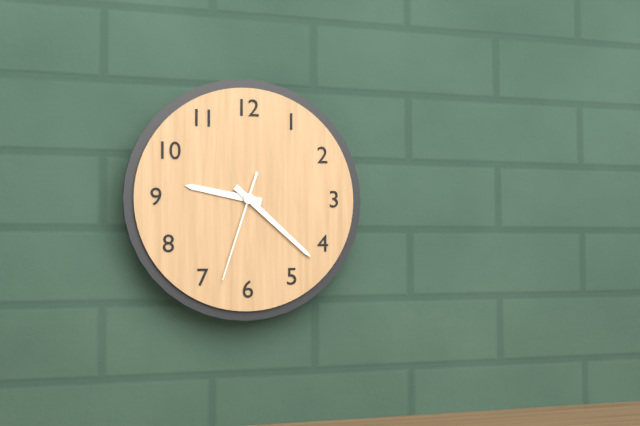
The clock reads 9h22m33s
